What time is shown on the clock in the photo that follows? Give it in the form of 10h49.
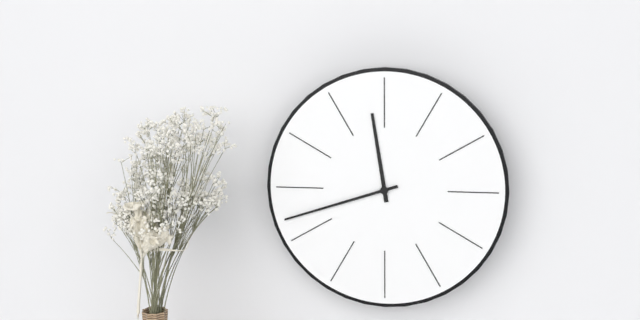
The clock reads 11h42
